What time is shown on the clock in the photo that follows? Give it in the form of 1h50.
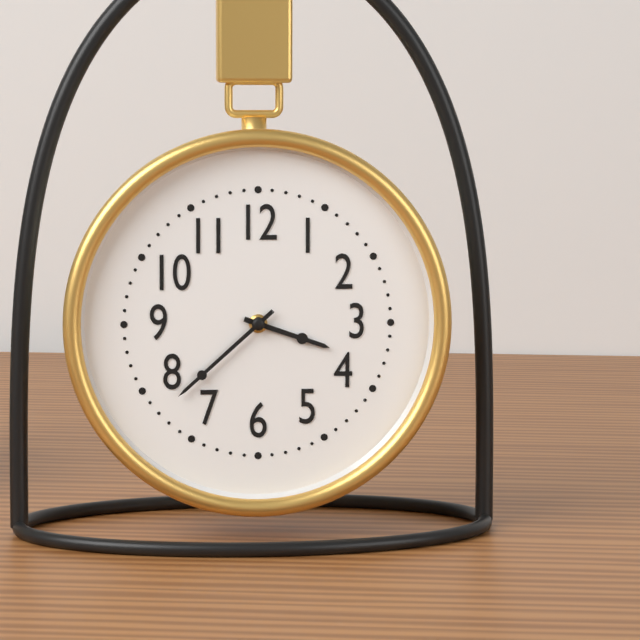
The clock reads 3h38
